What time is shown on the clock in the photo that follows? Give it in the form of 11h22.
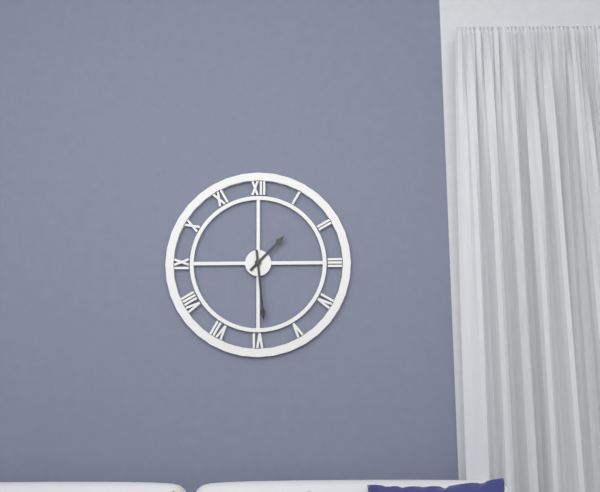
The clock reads 1h29
